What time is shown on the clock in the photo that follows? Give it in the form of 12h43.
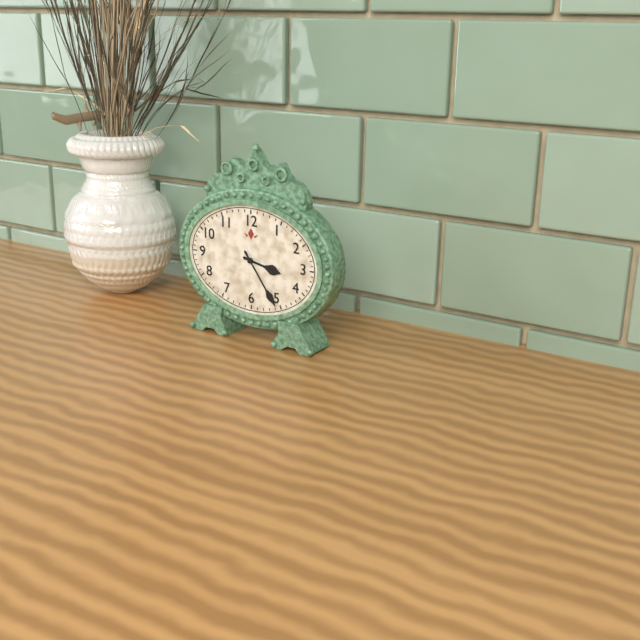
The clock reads 3h24
